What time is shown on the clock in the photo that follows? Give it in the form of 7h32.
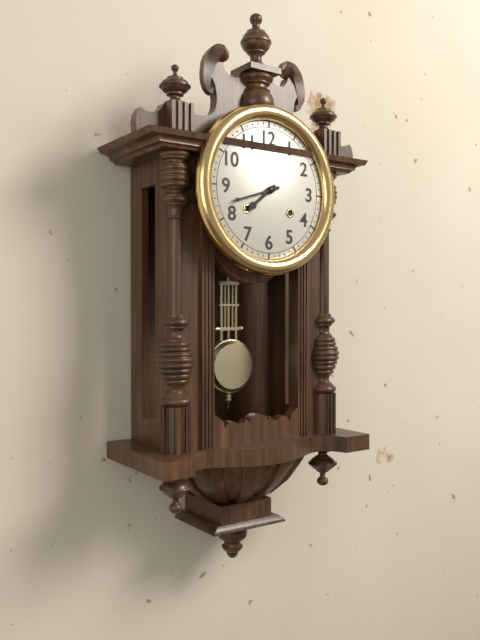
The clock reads 7h42
